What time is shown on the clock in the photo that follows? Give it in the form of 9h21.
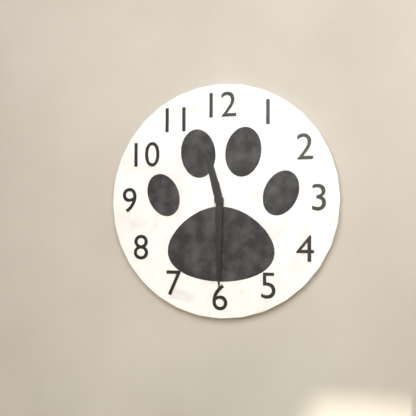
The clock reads 11h30
